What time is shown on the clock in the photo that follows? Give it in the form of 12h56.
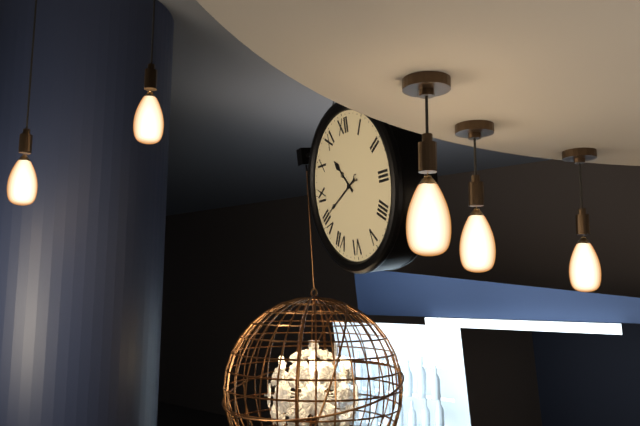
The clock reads 10h41
